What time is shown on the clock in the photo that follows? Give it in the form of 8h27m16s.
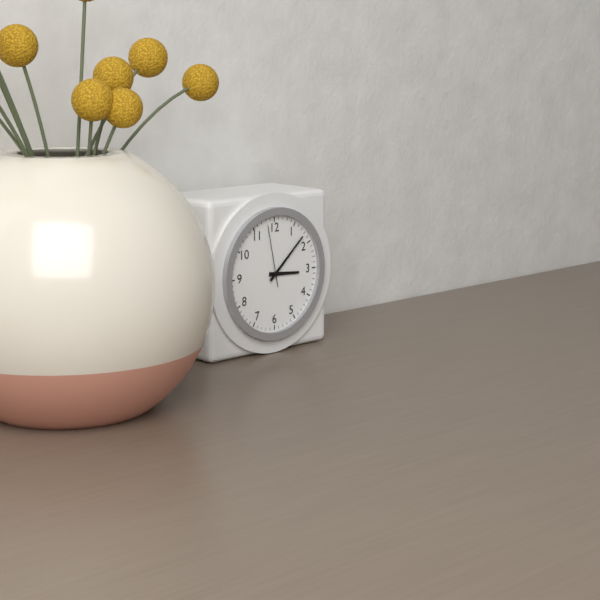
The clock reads 3h08m58s
